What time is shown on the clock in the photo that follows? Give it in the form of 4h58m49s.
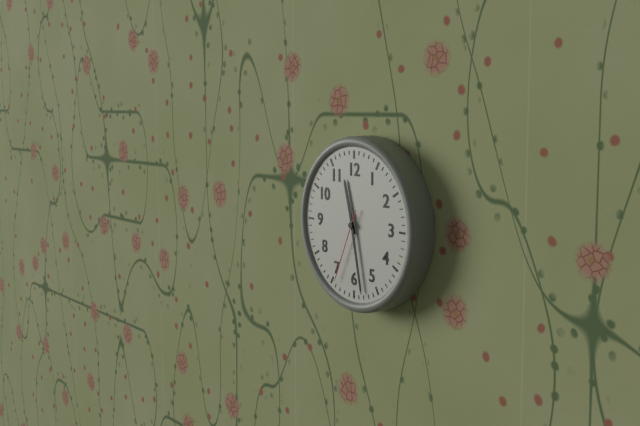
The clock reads 11h28m34s
